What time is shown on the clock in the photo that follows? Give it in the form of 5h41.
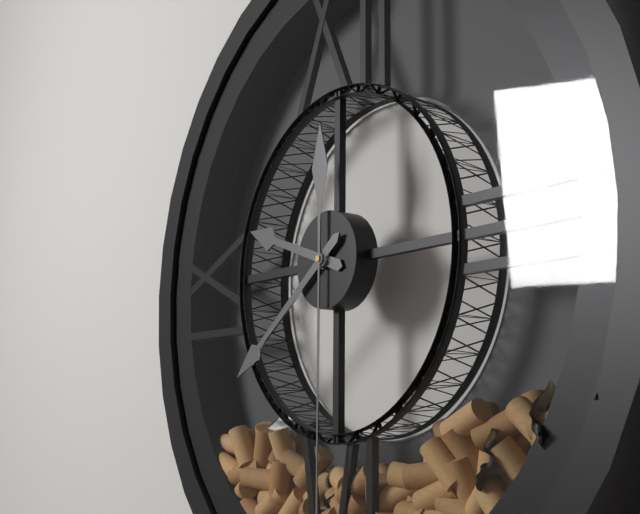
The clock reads 9h39
